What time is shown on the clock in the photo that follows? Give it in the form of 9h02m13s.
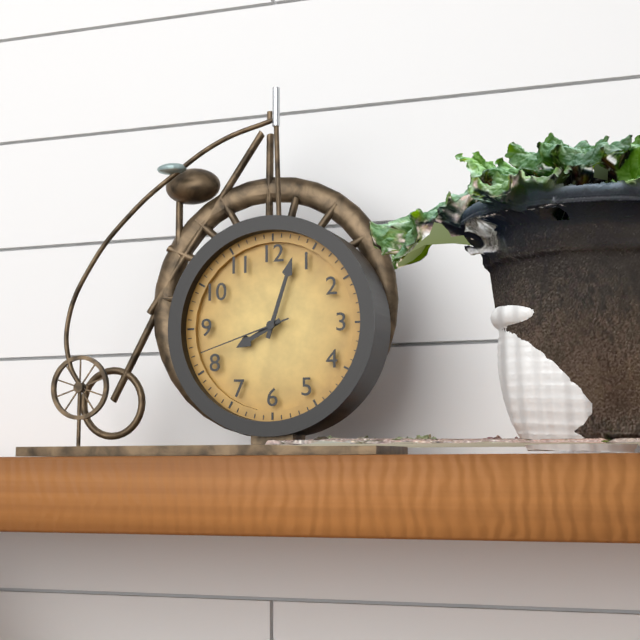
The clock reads 8h03m42s
